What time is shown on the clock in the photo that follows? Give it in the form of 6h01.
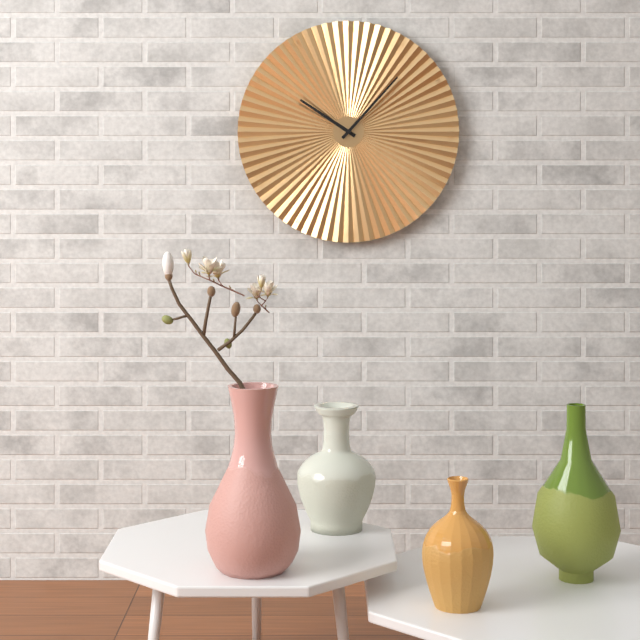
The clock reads 10h07
